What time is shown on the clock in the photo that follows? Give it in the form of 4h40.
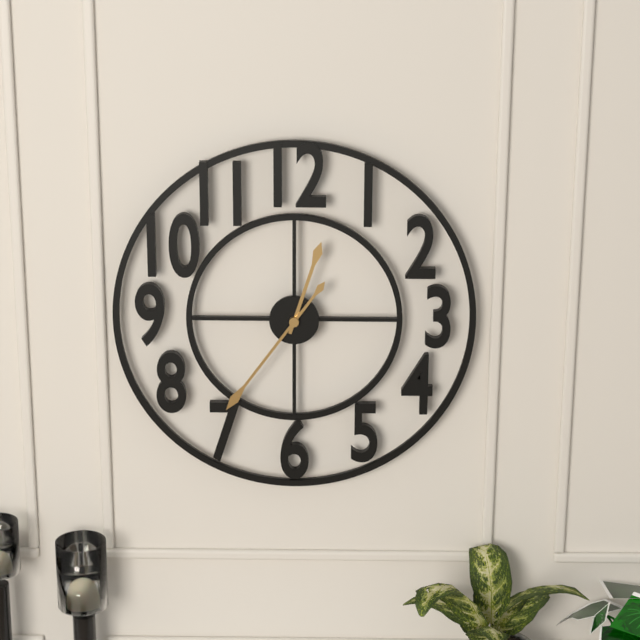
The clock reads 12h36
